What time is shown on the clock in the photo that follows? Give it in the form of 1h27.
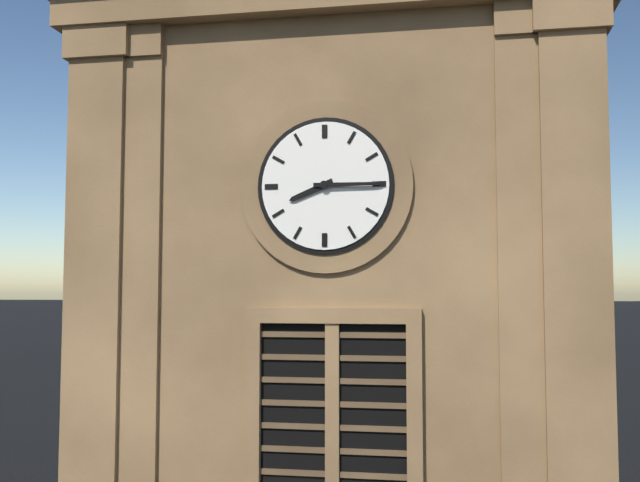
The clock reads 8h15
